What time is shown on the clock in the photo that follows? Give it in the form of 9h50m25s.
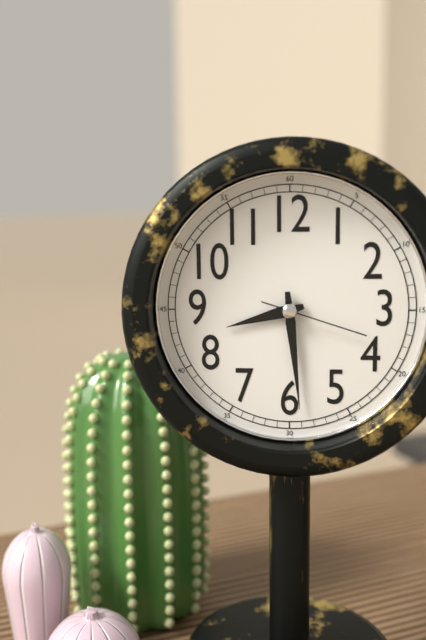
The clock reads 8h29m18s
